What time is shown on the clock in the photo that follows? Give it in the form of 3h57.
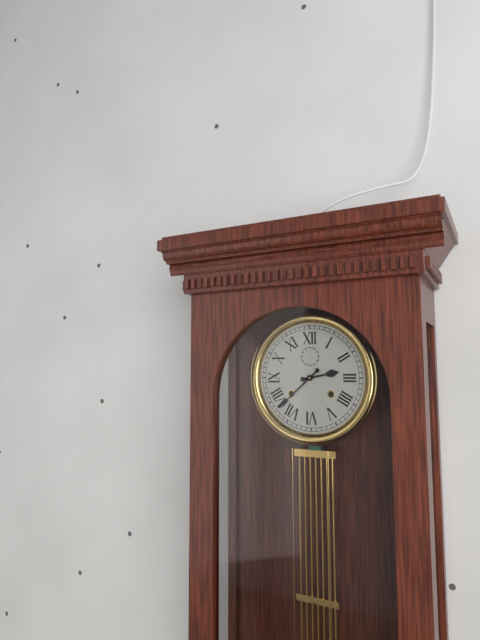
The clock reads 2h38
